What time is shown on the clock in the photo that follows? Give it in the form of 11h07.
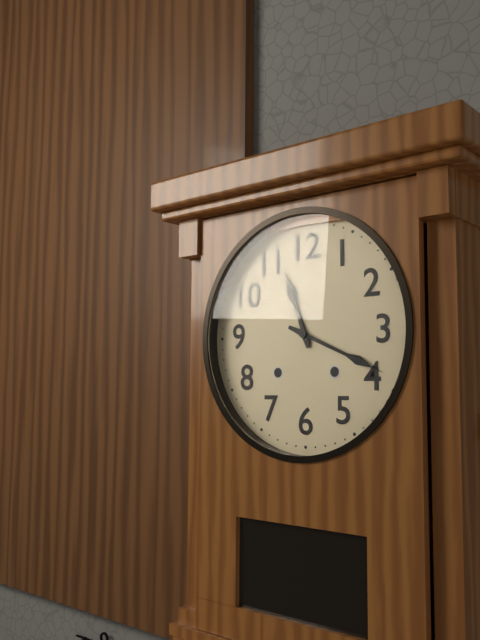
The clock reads 11h19
